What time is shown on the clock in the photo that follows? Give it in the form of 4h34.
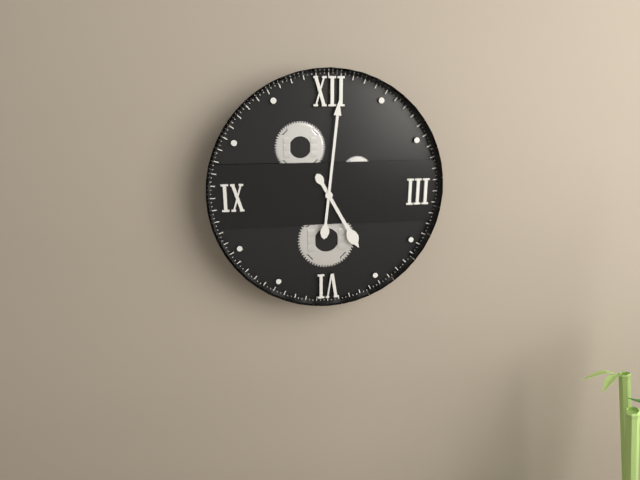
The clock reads 5h01
